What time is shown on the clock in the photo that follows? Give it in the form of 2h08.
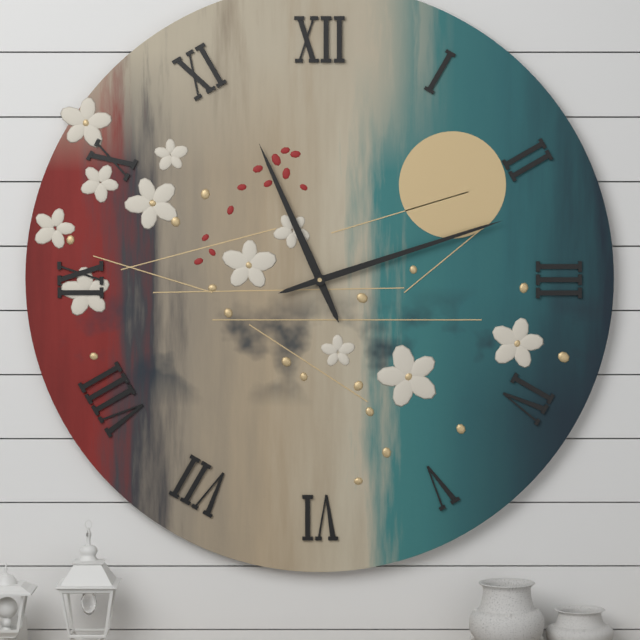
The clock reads 11h12
